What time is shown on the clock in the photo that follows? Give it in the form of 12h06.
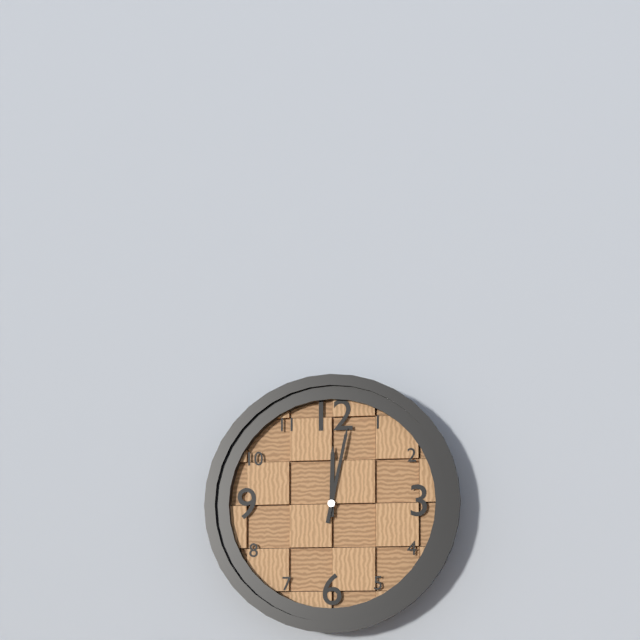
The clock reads 12h02
